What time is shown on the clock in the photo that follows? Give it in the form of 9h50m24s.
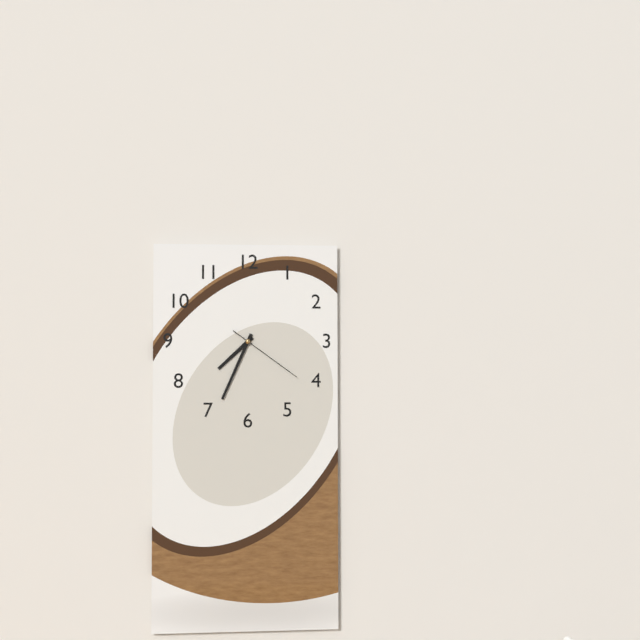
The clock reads 7h34m21s
